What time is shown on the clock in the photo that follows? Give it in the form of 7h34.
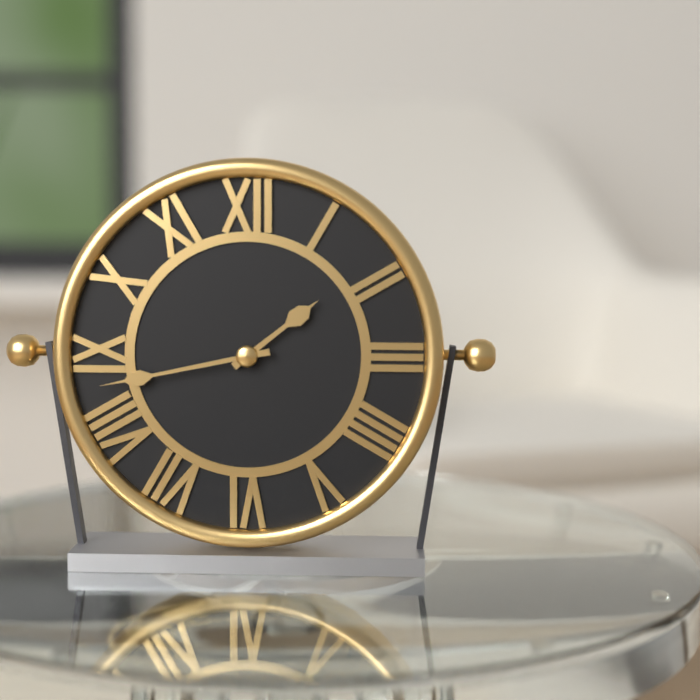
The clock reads 1h43
